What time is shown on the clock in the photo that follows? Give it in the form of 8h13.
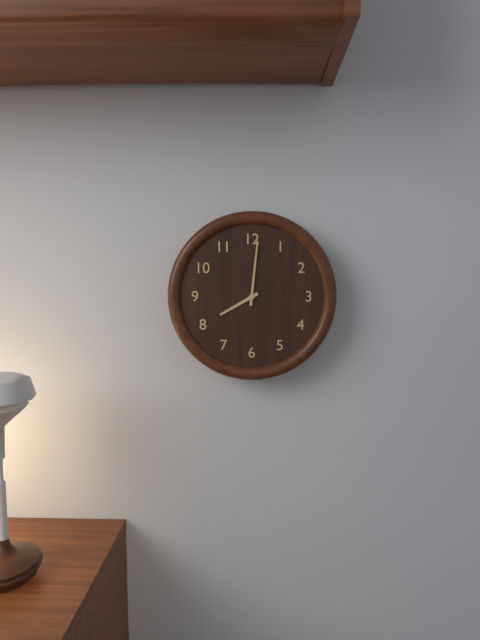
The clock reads 8h01
